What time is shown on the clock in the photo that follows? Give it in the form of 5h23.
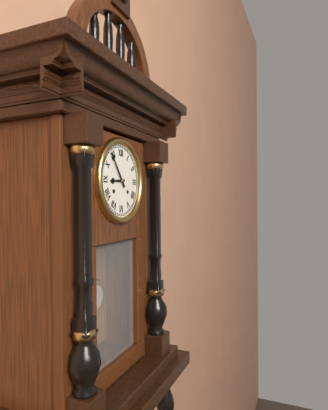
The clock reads 8h54
